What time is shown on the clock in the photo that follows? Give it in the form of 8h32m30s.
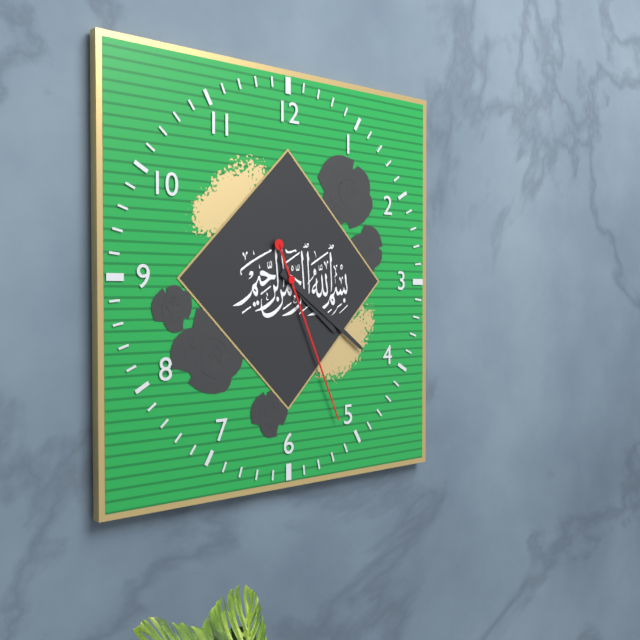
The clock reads 4h21m26s
